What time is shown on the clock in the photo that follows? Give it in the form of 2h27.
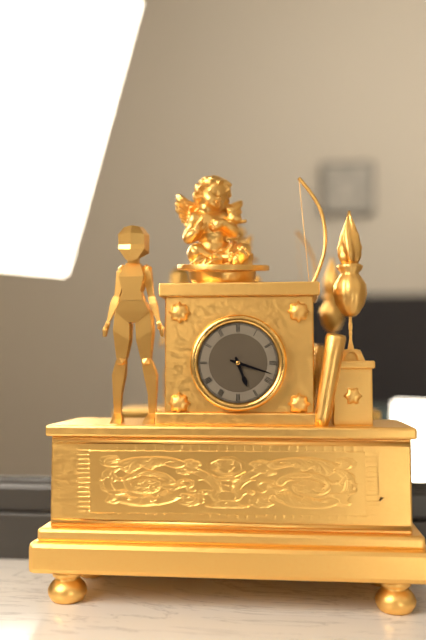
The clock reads 5h18
